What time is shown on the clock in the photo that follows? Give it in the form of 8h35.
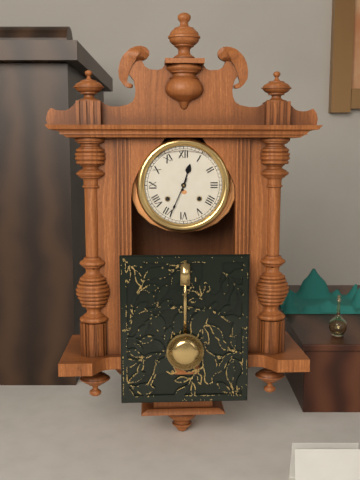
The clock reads 12h34
